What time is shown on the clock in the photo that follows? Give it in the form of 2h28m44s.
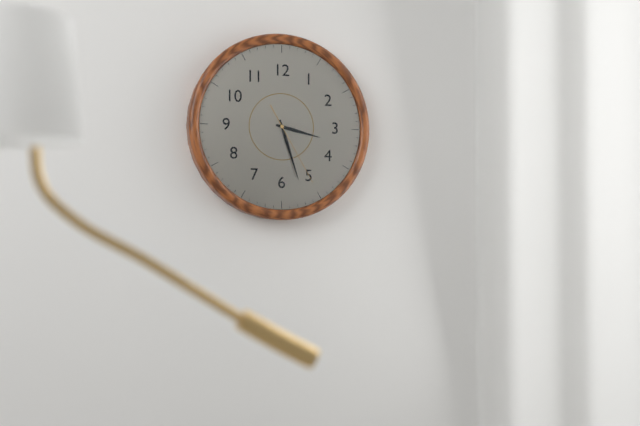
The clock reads 3h27m25s
